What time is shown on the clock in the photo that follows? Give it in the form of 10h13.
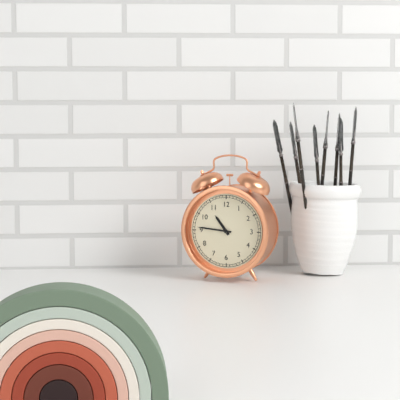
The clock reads 10h46
